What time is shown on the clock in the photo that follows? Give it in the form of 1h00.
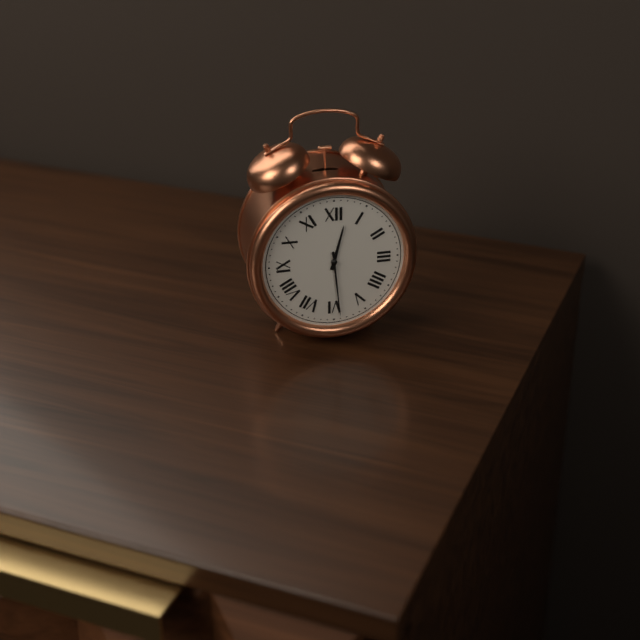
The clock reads 12h29
